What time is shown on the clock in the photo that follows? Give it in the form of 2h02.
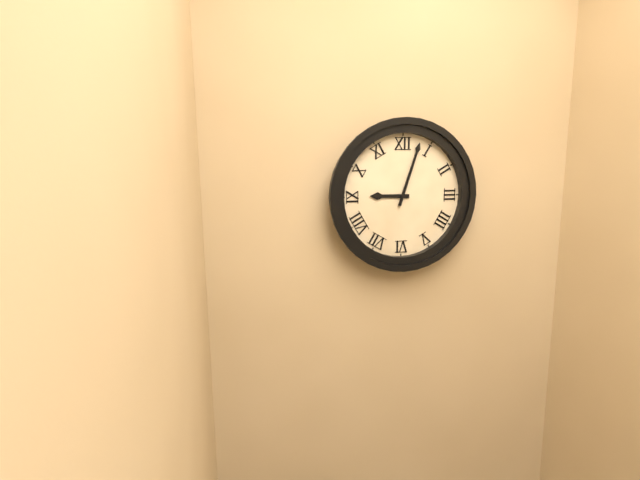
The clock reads 9h03
